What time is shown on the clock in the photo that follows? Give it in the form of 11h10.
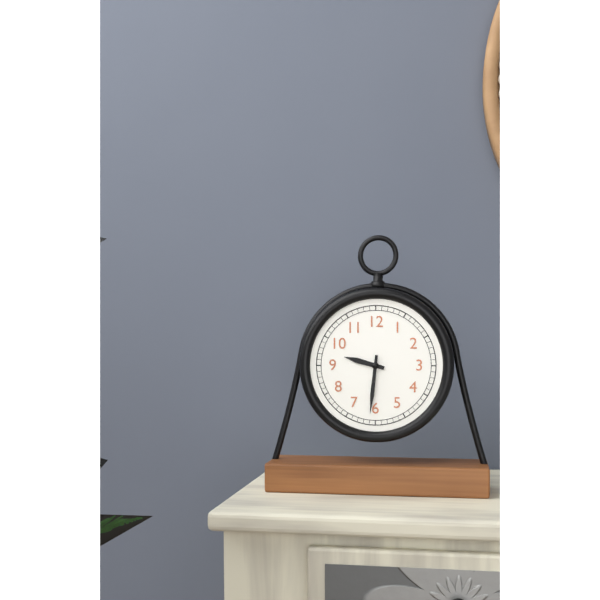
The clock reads 9h31
